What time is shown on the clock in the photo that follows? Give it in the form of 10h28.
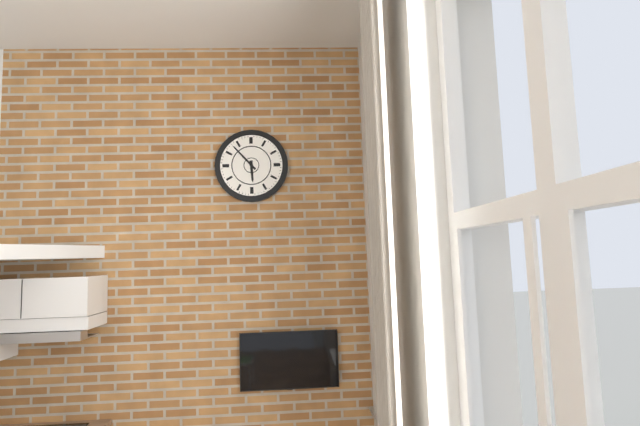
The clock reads 5h53
